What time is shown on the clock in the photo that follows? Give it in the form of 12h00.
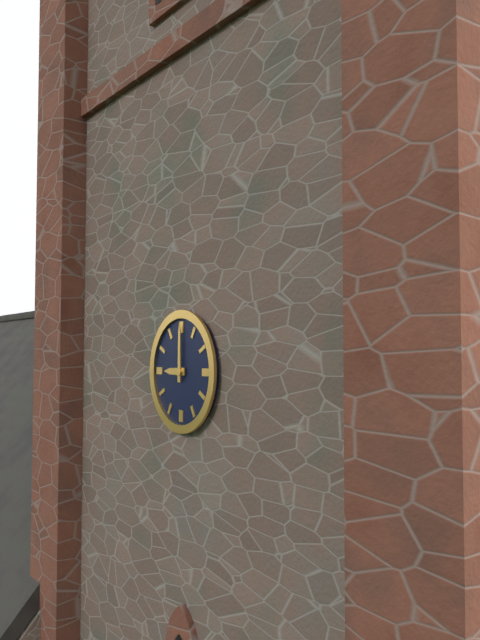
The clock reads 9h00
